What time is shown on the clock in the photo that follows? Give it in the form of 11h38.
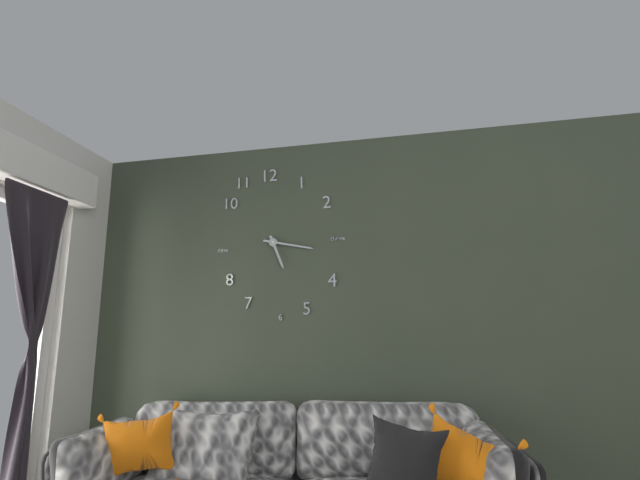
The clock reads 5h17
